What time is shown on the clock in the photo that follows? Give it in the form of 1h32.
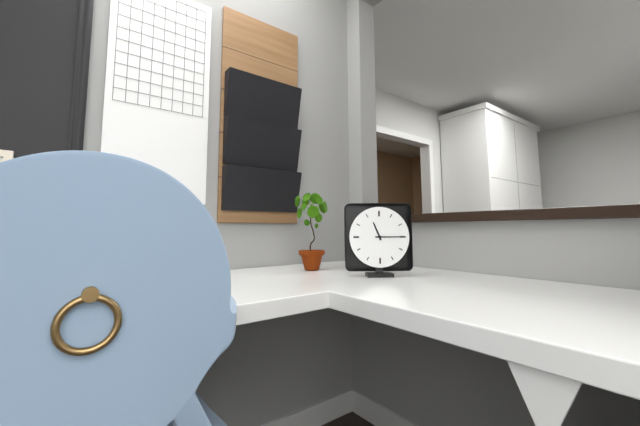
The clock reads 11h15
